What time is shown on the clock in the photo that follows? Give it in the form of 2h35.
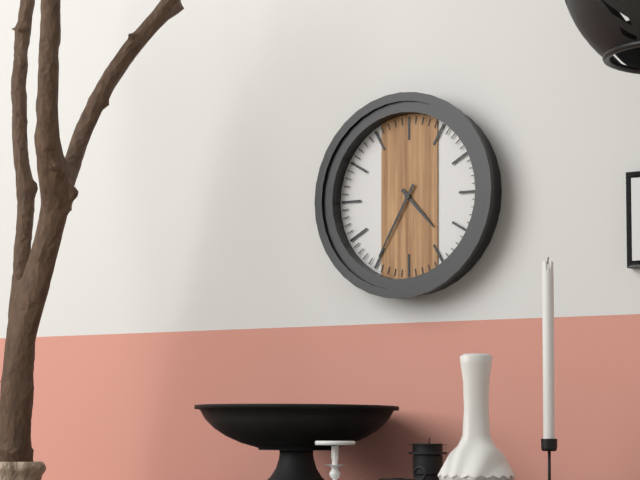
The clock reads 4h35
